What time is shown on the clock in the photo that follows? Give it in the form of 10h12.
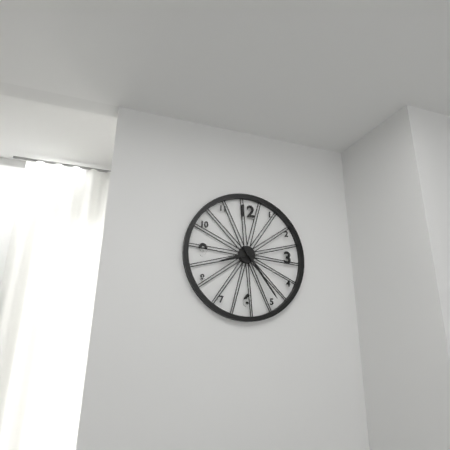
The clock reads 8h24
